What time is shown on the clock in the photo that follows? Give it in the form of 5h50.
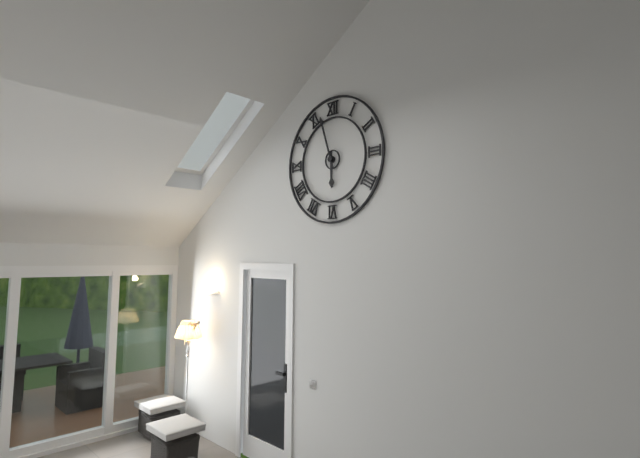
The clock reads 5h57
